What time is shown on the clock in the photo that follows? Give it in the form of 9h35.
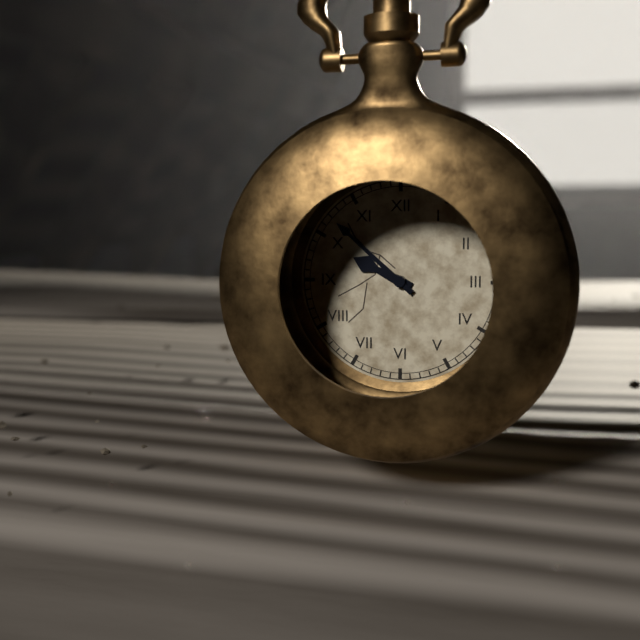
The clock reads 9h52
